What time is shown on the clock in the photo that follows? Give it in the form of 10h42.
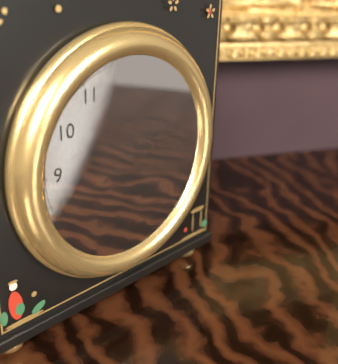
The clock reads 11h26
